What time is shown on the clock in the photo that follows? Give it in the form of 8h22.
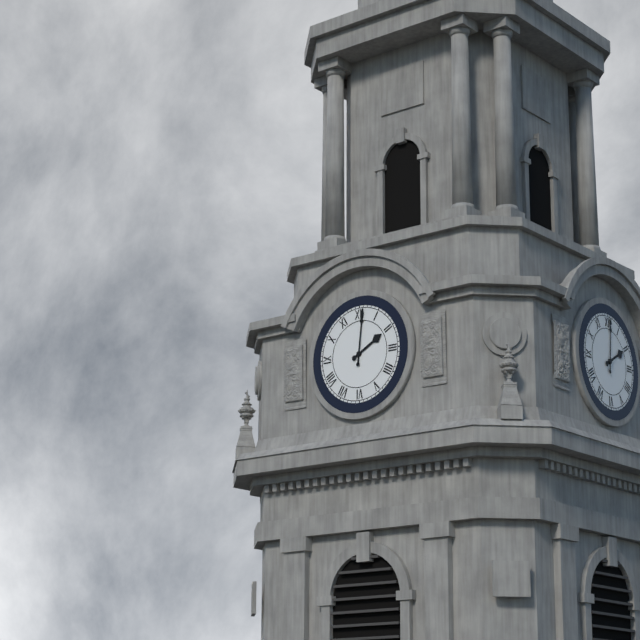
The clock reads 2h01
